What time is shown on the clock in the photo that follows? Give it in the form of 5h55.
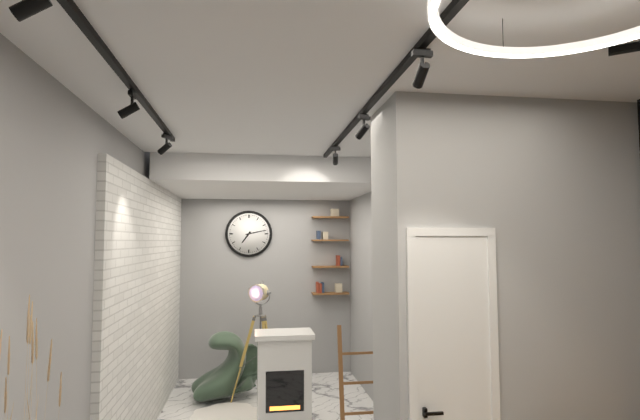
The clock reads 7h13
